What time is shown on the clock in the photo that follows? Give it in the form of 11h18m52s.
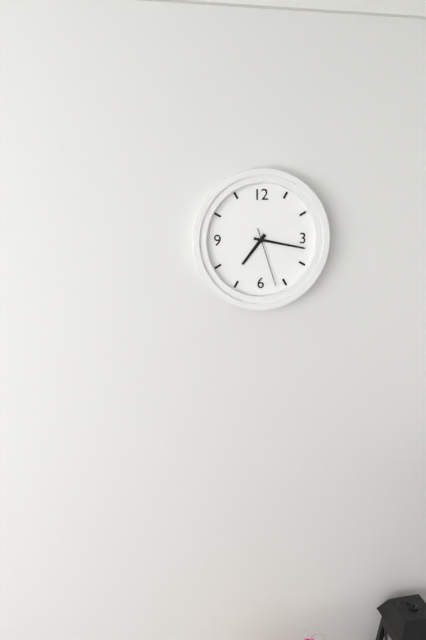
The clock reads 7h17m27s
